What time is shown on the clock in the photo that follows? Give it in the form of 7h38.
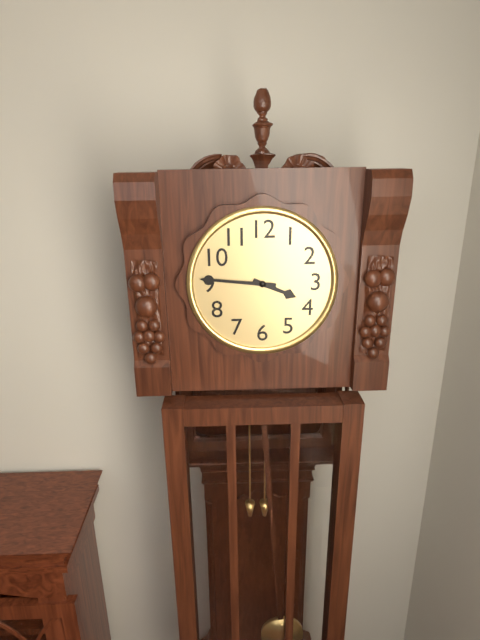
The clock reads 3h46
